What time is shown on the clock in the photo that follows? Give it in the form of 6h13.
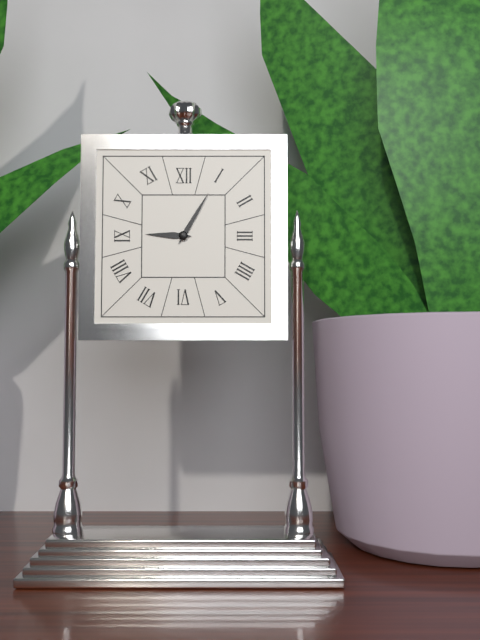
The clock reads 9h05
